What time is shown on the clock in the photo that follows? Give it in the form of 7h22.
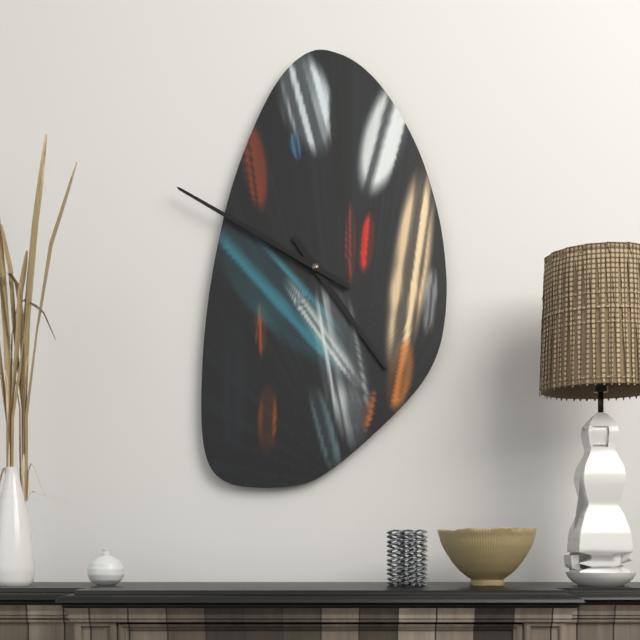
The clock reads 4h50
